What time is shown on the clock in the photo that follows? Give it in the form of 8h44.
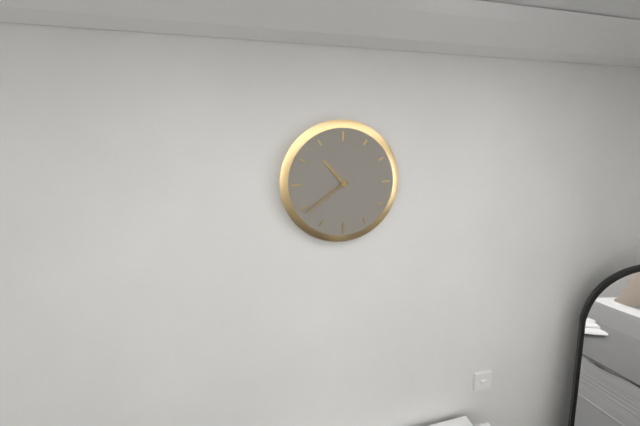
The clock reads 10h39
